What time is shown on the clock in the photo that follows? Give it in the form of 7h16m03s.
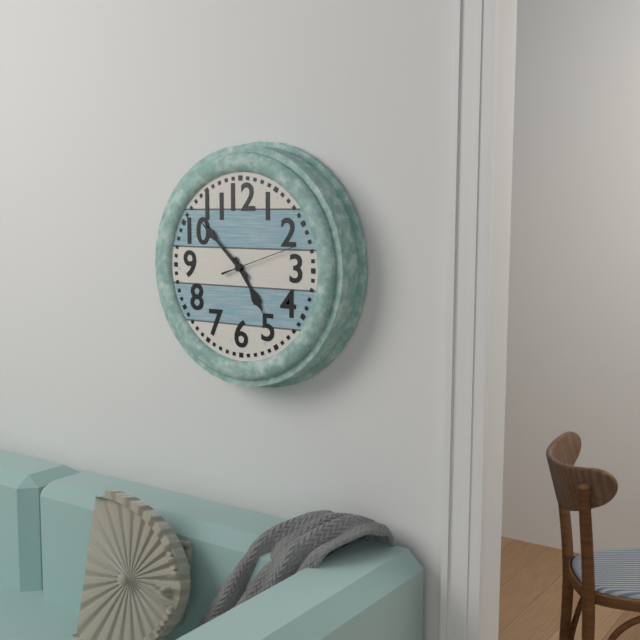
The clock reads 4h52m12s
